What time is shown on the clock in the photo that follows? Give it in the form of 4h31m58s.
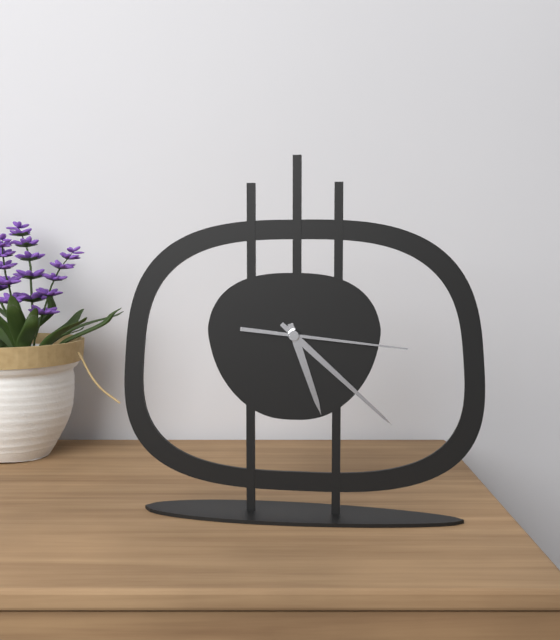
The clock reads 5h22m16s
